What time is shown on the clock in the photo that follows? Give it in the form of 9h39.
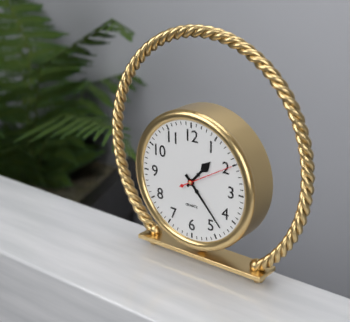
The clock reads 1h23
